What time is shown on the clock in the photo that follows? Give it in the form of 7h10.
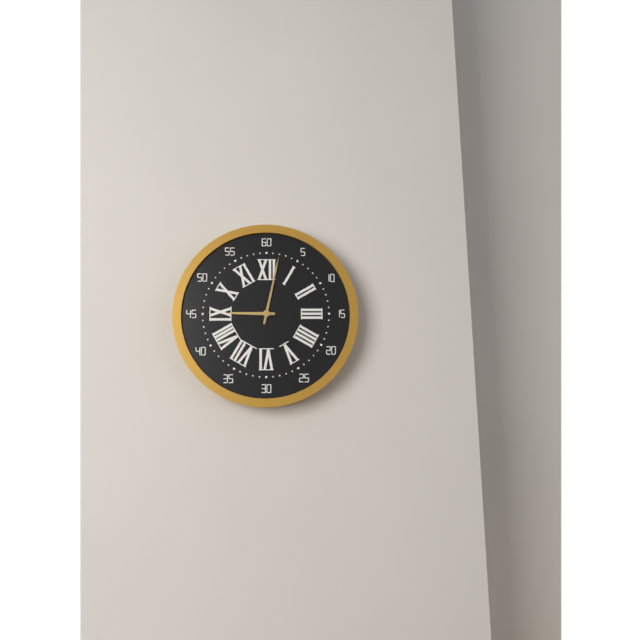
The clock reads 9h02
